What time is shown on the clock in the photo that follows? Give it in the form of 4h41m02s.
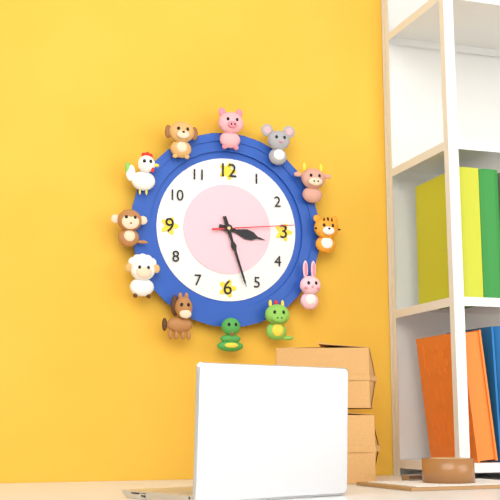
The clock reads 3h27m14s
